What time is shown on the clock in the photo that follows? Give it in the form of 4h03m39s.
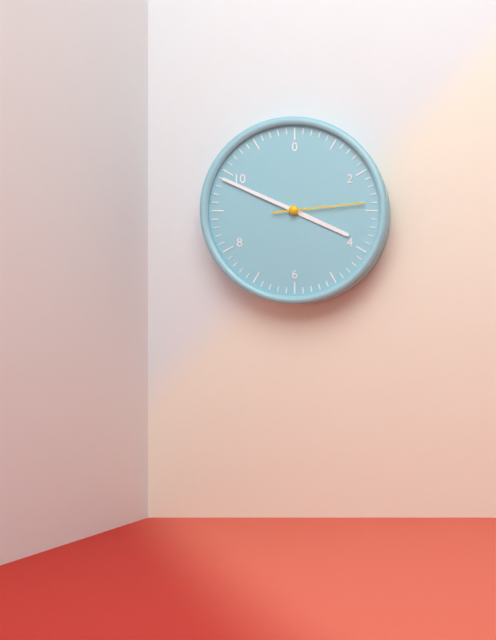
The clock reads 3h49m14s
